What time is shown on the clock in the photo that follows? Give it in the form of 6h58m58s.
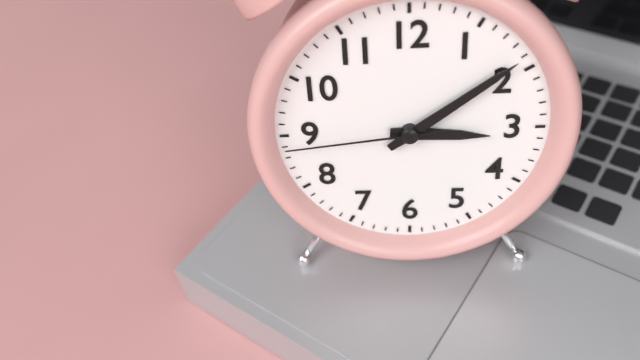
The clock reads 3h09m44s
